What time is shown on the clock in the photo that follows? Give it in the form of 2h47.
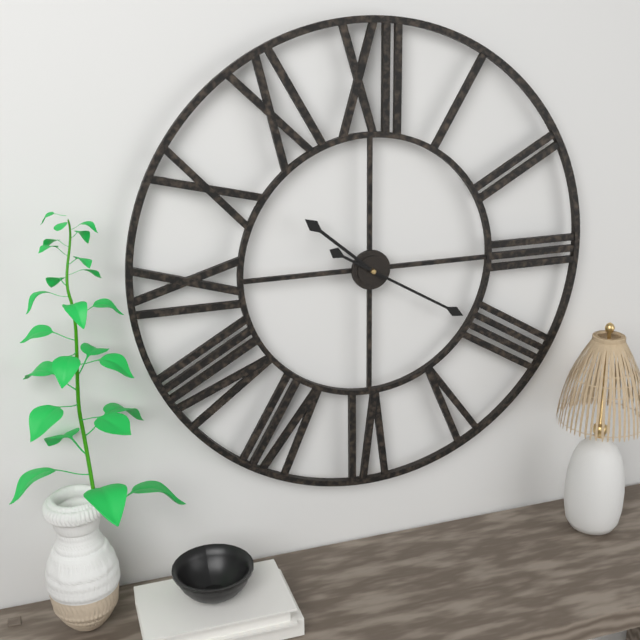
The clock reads 10h20
